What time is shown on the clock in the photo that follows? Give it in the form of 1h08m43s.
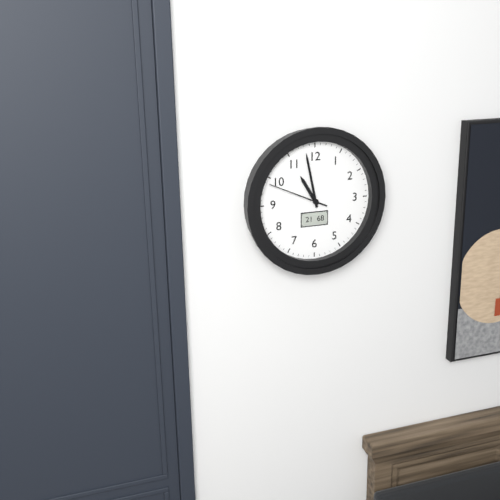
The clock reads 10h58m49s
